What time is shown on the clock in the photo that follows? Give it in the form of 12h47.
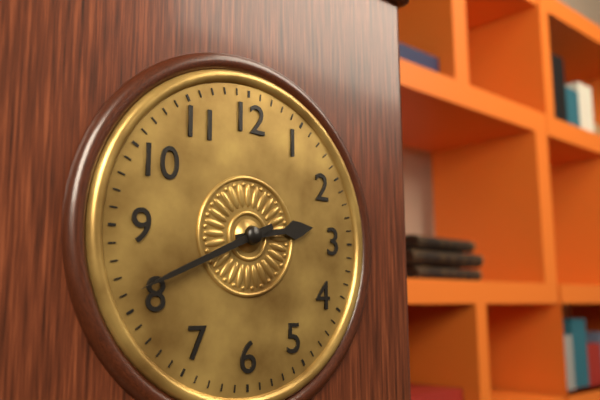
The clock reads 2h41
